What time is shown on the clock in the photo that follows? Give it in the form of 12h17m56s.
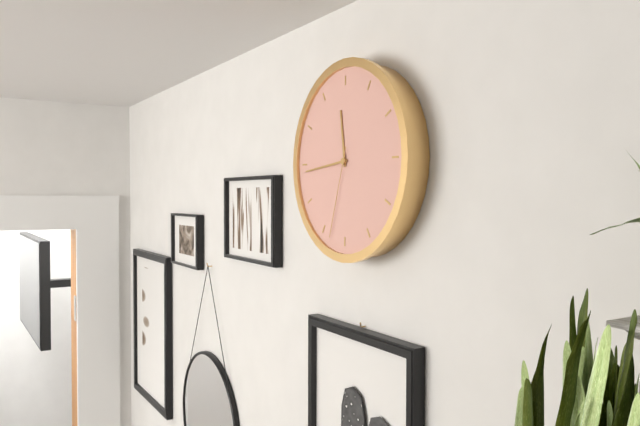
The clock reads 11h44m33s
